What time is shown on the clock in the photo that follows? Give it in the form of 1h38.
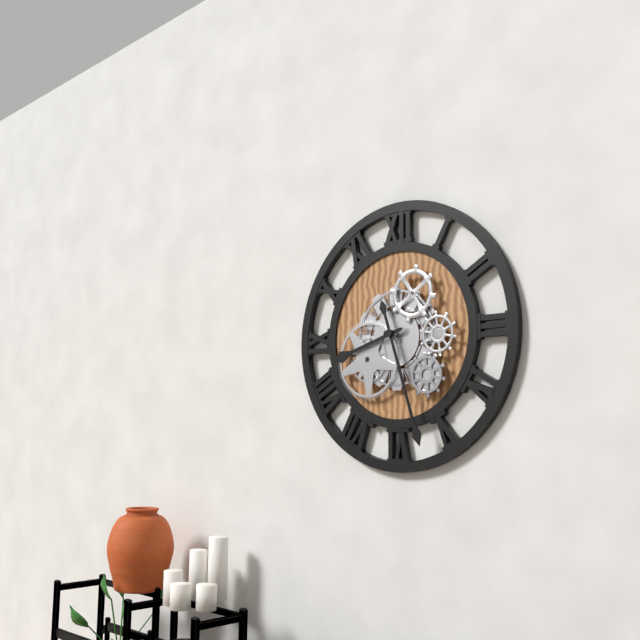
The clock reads 8h27
